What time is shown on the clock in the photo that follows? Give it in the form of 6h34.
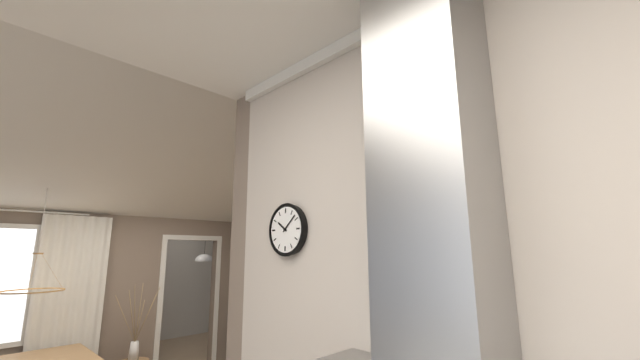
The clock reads 10h08
